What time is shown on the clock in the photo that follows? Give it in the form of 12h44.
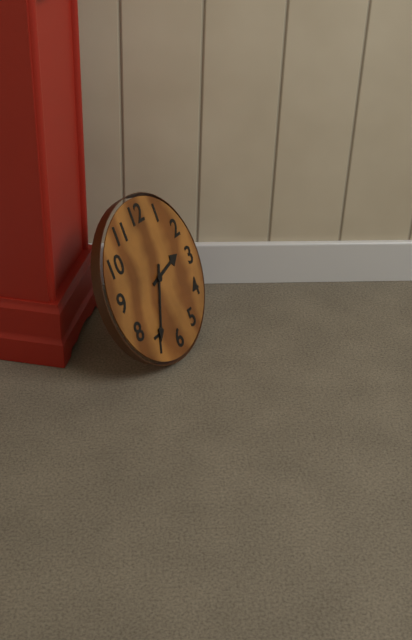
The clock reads 2h35
